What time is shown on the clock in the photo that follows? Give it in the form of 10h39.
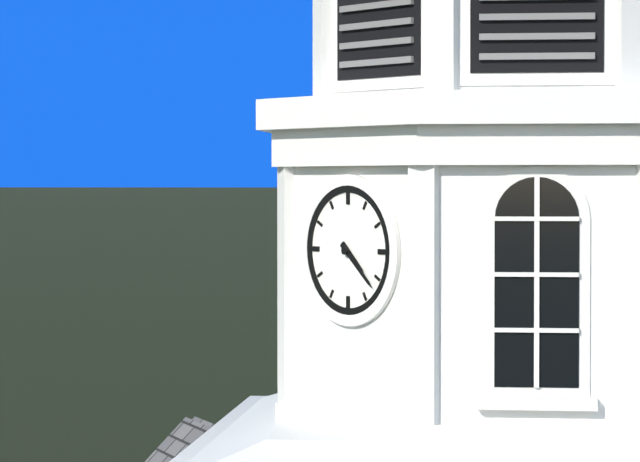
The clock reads 4h22
